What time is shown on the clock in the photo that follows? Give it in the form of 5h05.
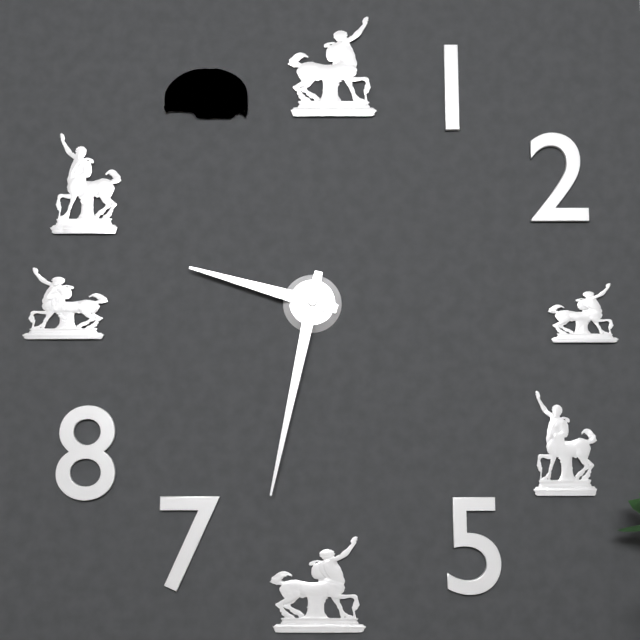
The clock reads 9h32
